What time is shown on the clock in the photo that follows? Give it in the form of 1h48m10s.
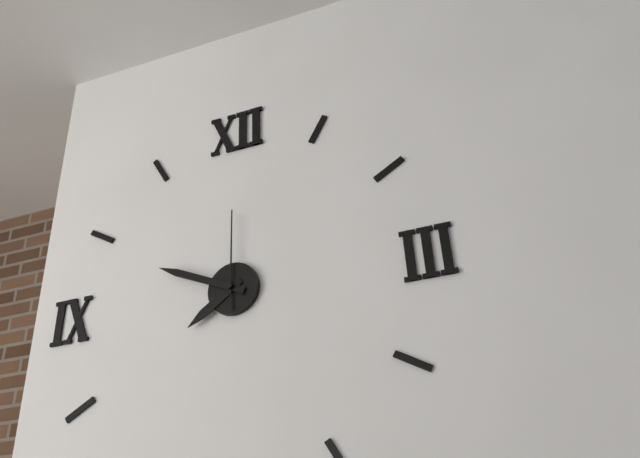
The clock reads 7h49m00s
